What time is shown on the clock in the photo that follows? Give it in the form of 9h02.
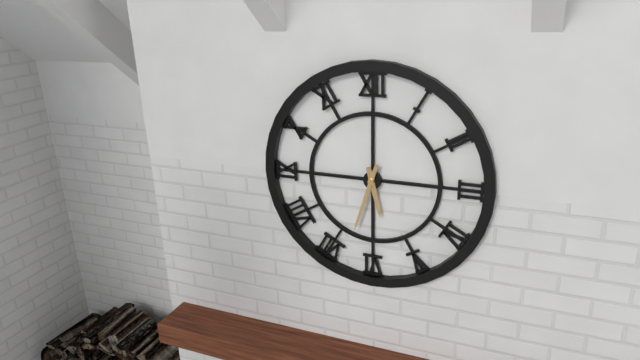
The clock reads 5h33
